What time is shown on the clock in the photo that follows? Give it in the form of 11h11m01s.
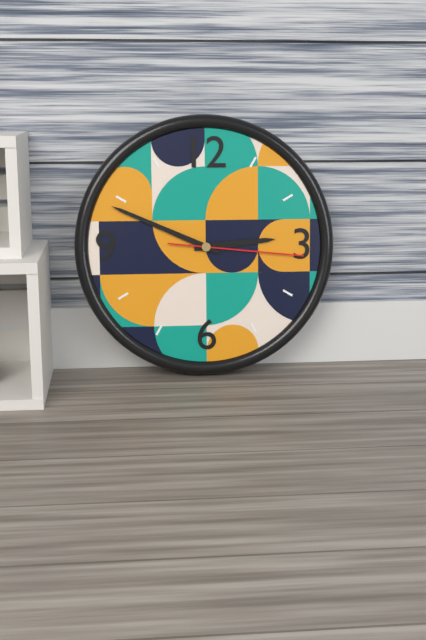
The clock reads 2h49m16s
